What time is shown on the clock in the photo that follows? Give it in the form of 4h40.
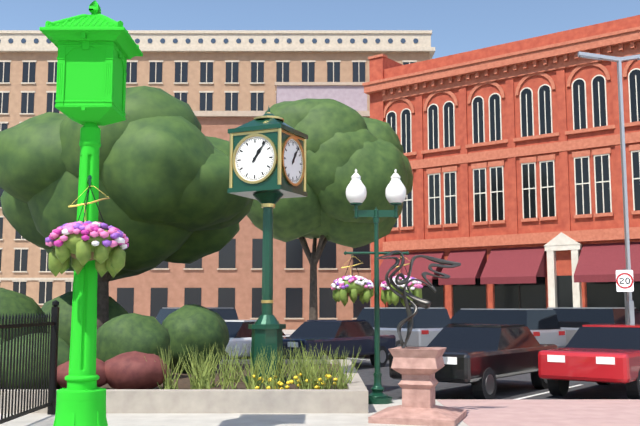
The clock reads 1h06
